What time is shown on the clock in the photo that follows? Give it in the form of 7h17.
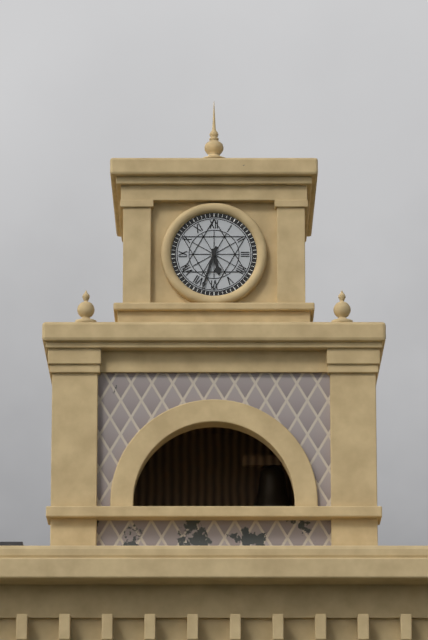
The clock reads 5h33
